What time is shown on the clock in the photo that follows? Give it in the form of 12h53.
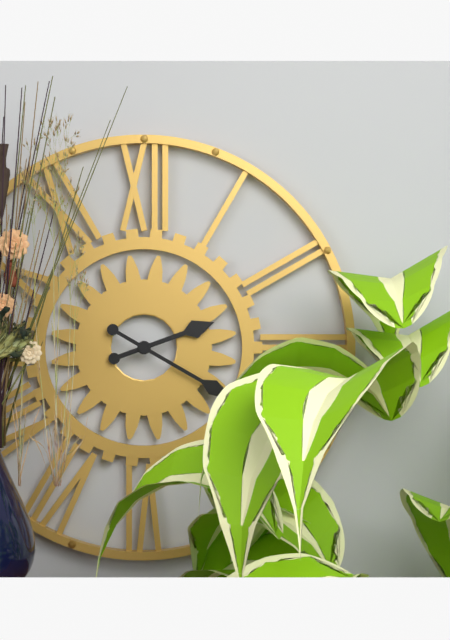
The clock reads 2h20
